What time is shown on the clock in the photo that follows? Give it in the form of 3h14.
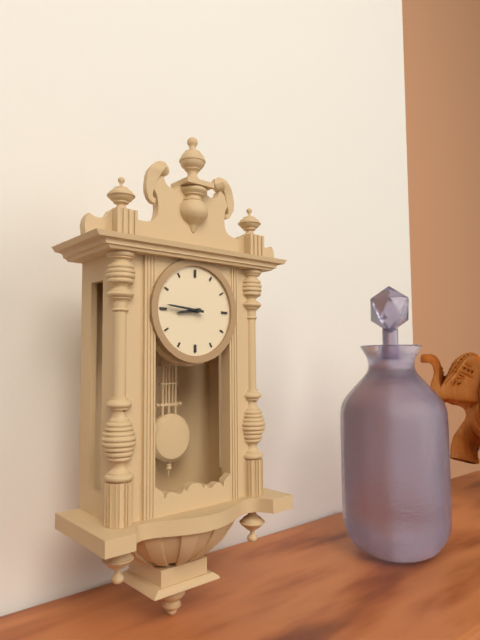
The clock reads 8h46
